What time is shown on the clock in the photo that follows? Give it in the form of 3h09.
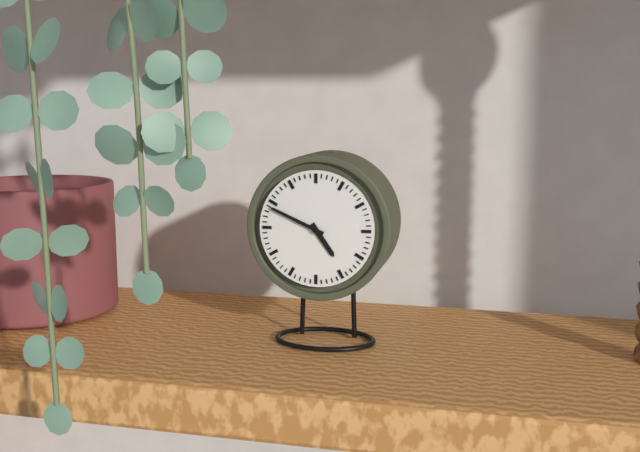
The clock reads 4h49
